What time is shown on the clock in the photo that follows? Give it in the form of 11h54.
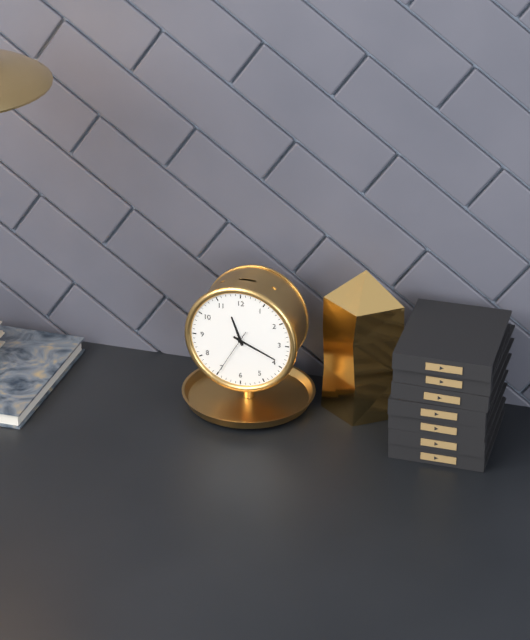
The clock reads 11h19
